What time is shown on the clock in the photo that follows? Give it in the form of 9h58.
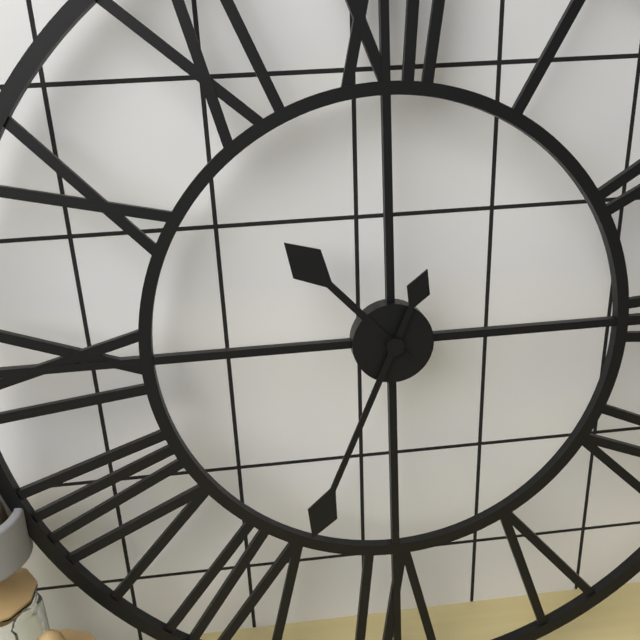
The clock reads 10h34
